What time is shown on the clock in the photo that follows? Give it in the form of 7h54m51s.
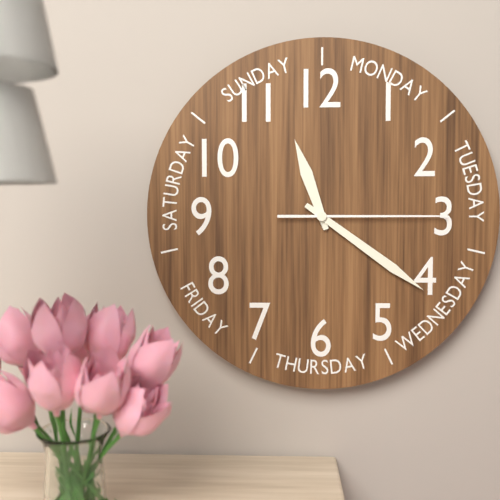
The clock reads 11h21m15s
